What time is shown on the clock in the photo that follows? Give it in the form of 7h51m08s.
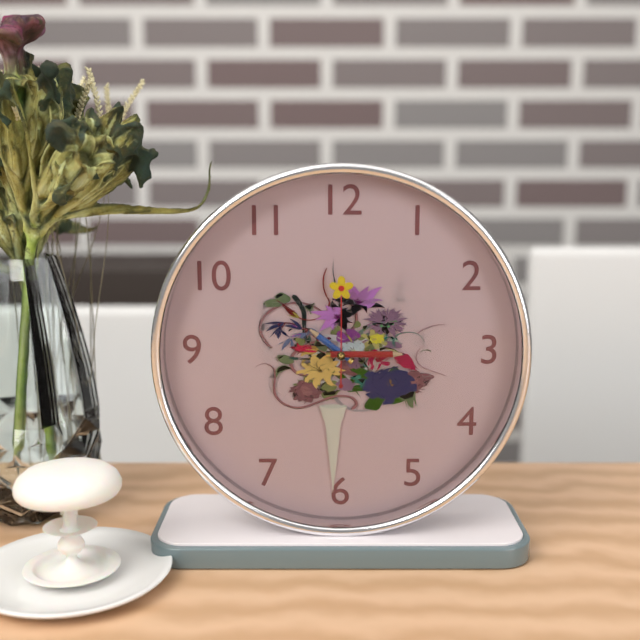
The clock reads 10h15m00s
